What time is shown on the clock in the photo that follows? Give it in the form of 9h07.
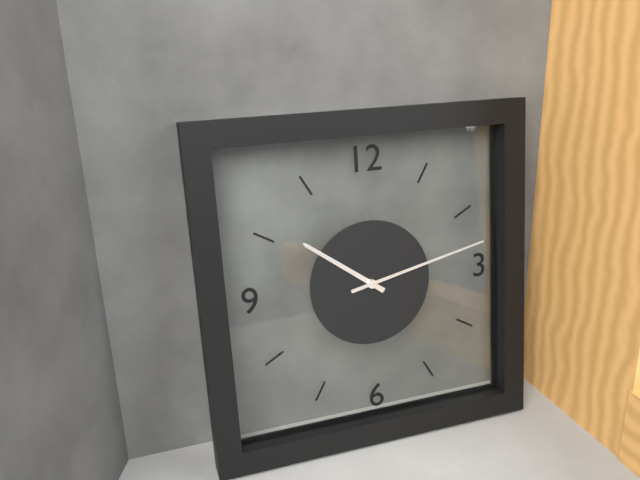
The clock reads 10h13
